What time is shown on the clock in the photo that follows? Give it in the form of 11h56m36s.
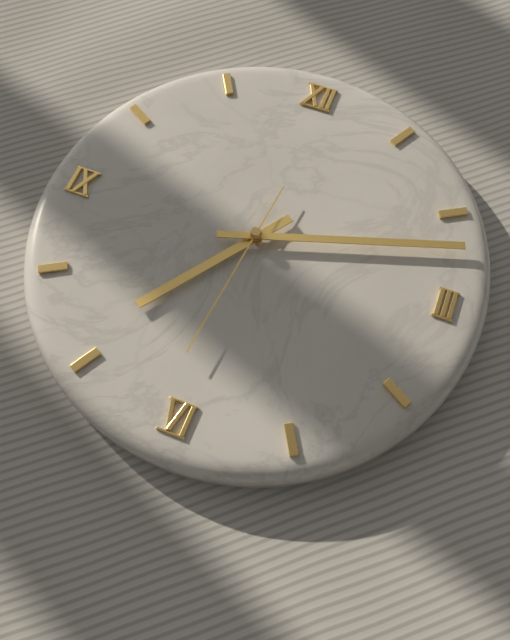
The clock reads 7h12m31s
